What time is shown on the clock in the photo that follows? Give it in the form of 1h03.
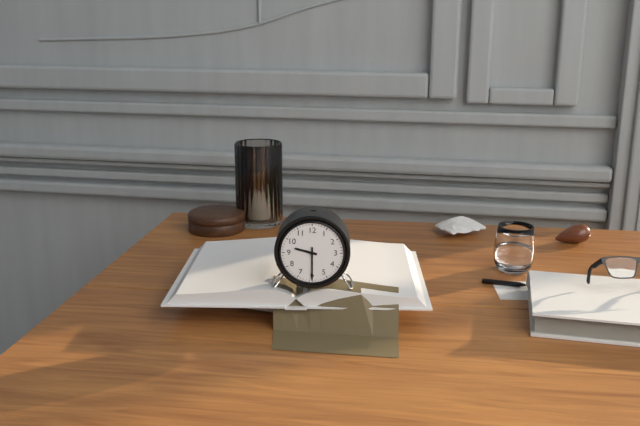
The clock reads 9h30
